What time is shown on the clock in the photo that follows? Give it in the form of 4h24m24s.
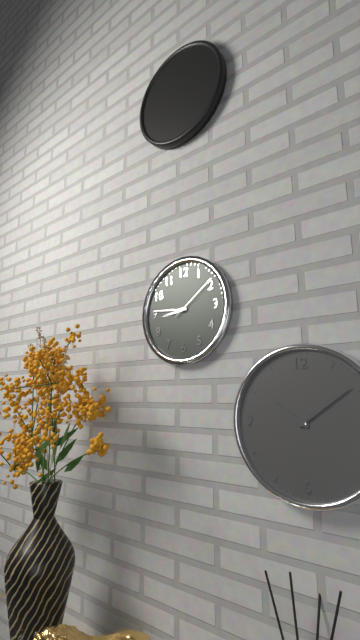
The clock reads 8h46m09s
